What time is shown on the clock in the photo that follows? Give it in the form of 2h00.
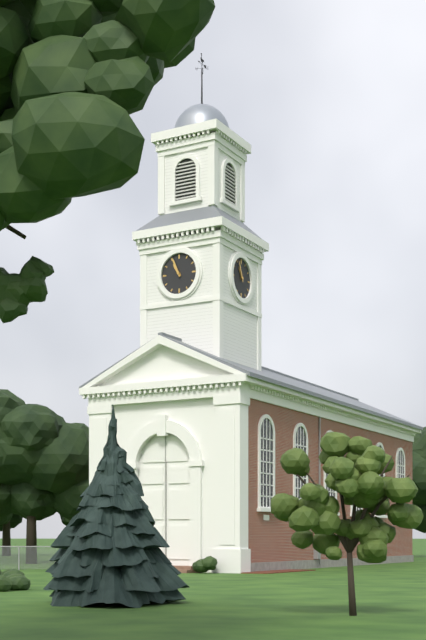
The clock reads 10h56
